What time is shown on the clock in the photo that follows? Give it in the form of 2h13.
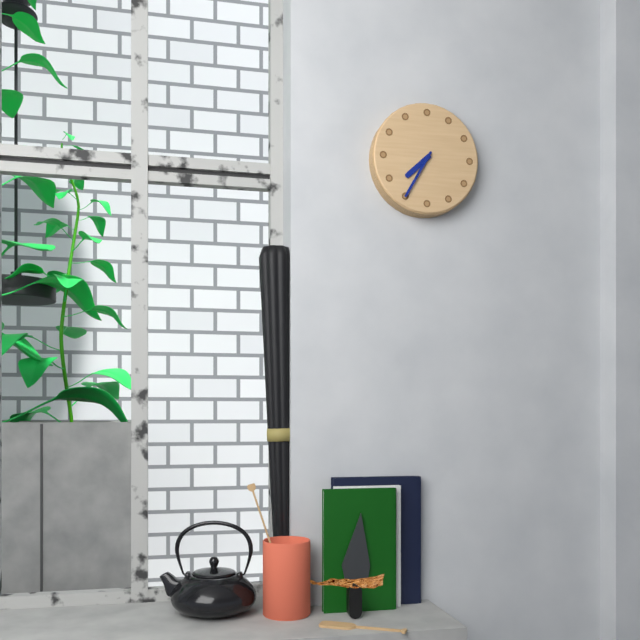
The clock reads 7h35
